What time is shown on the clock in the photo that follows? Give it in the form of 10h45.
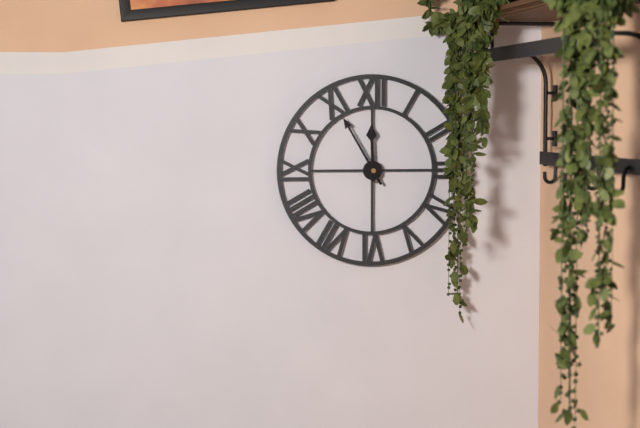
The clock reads 11h55
